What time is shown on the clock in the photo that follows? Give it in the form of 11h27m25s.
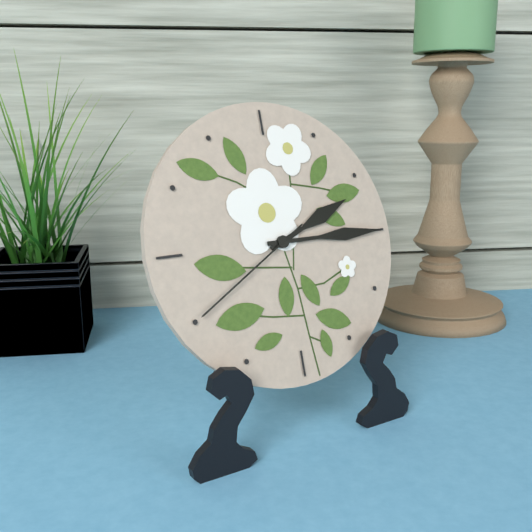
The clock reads 2h15m40s
